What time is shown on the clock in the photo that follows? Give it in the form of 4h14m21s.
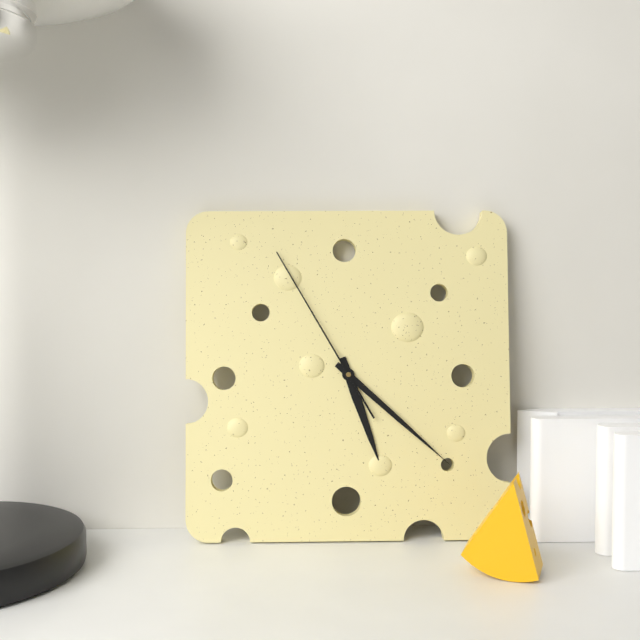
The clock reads 5h22m55s
